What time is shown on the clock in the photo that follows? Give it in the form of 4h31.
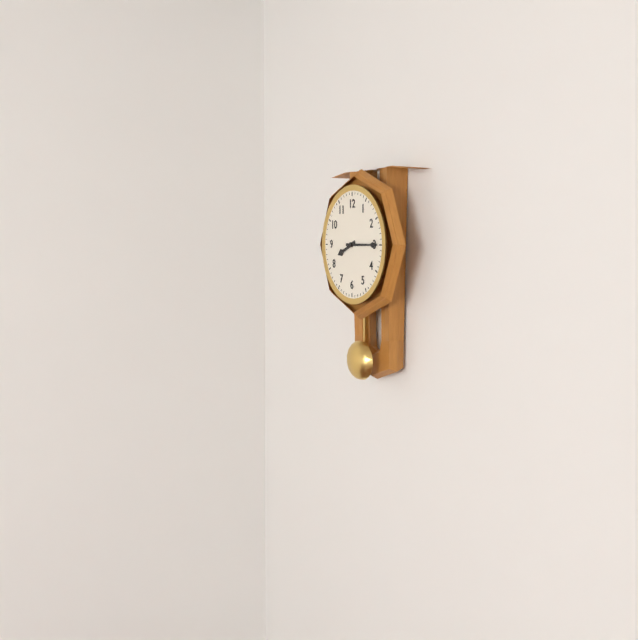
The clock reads 8h15
